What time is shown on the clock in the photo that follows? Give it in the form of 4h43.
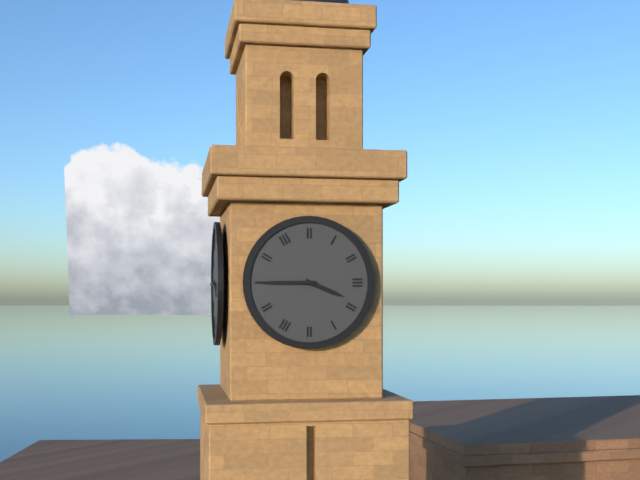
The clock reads 3h45
